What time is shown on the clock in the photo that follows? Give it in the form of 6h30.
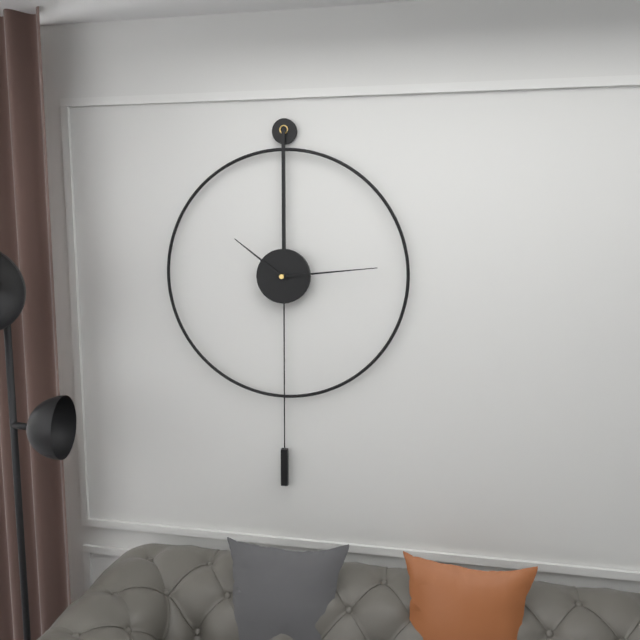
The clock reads 10h14
